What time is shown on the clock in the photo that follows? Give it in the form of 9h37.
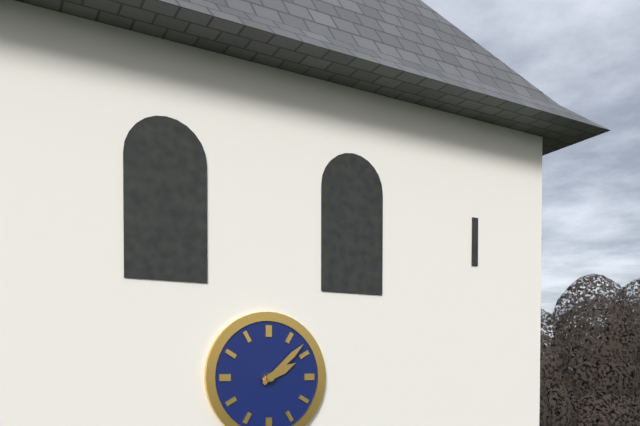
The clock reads 2h08
